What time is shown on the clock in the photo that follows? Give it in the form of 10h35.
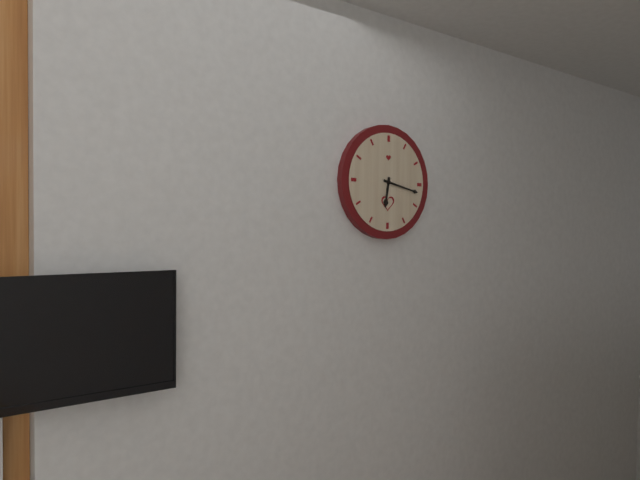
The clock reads 6h17
